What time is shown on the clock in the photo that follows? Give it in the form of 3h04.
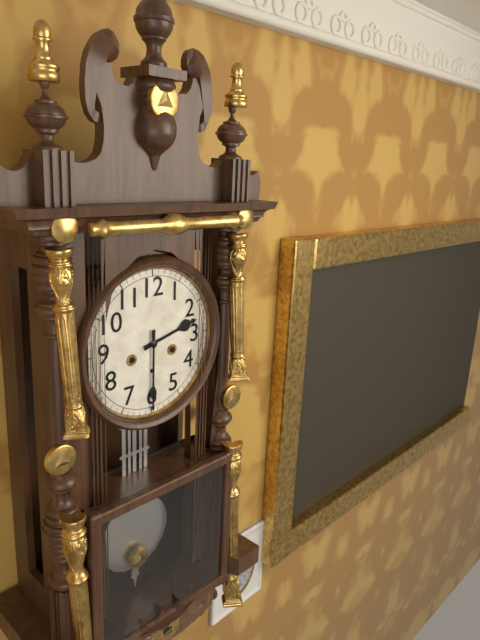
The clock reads 2h30
